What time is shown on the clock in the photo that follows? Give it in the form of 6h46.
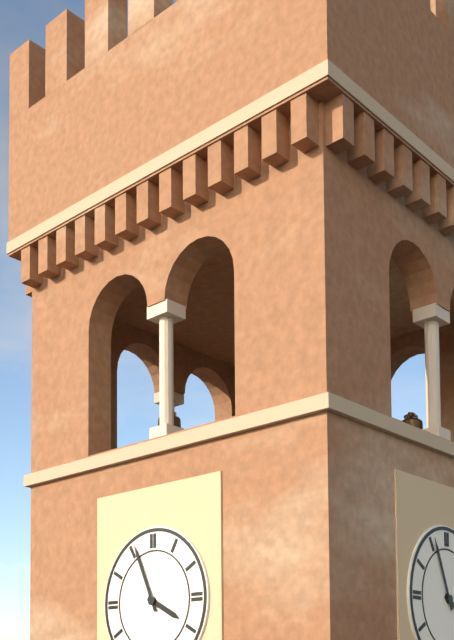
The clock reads 3h56
